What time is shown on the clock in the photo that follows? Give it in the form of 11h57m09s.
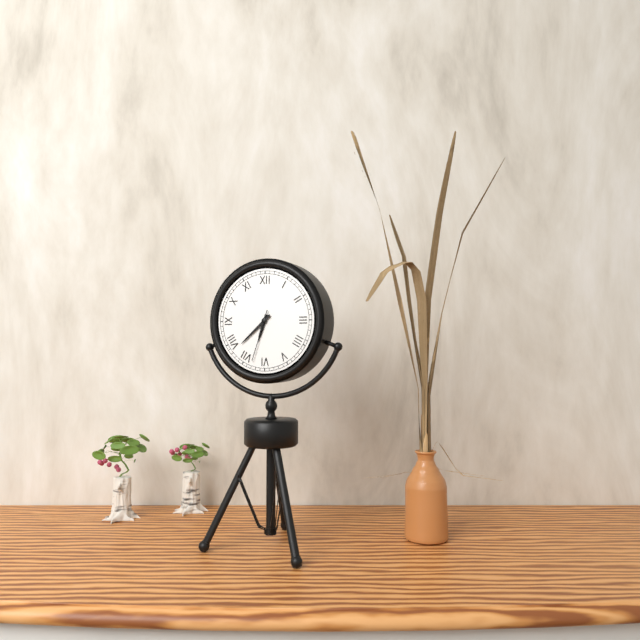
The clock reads 6h38m33s
